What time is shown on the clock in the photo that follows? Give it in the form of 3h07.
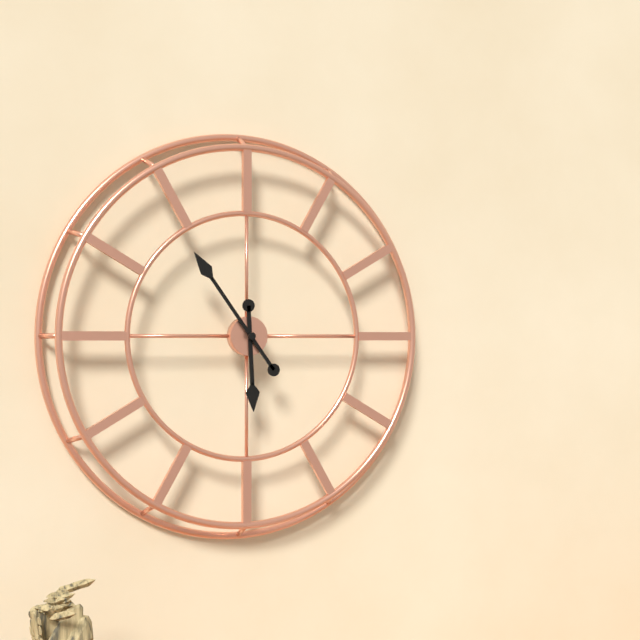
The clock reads 5h54
